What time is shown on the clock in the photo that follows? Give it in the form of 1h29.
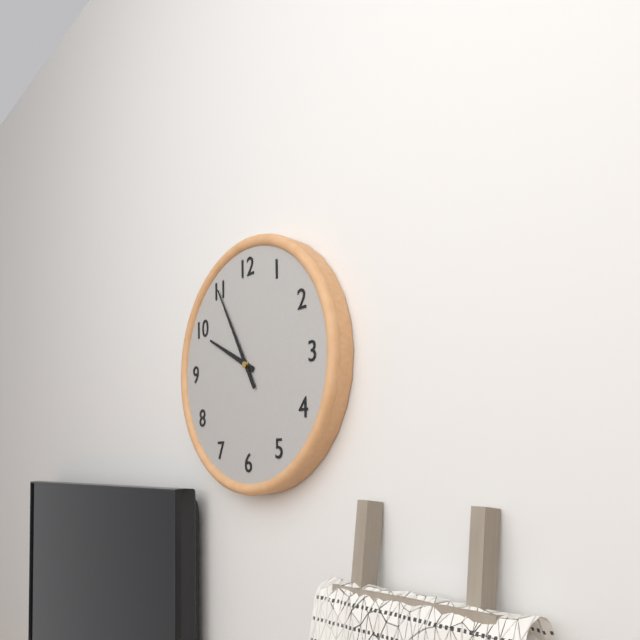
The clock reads 9h55
